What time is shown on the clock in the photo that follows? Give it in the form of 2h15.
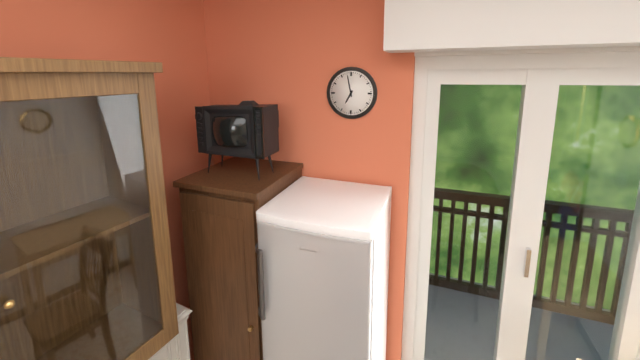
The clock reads 6h58
